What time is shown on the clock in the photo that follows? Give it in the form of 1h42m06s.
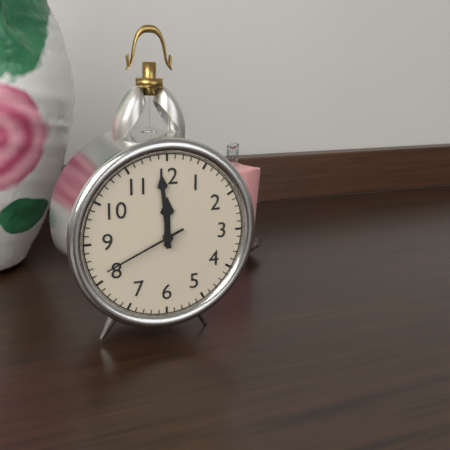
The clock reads 11h59m41s
